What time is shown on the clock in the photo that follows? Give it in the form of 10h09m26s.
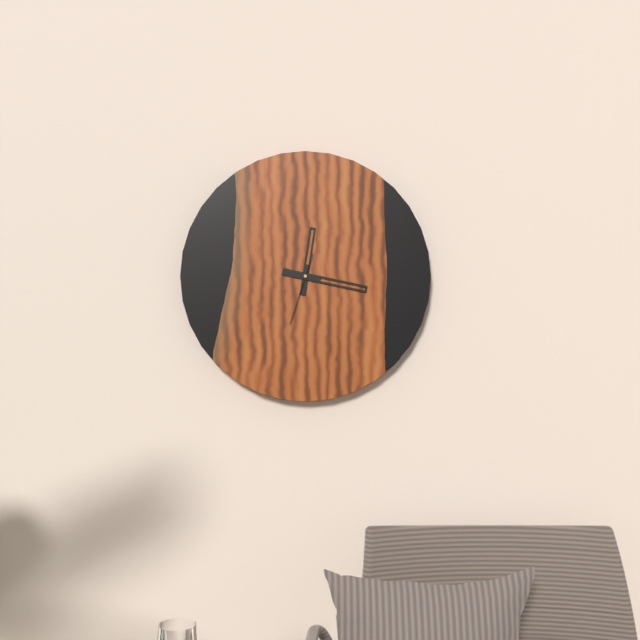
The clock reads 12h17m33s
